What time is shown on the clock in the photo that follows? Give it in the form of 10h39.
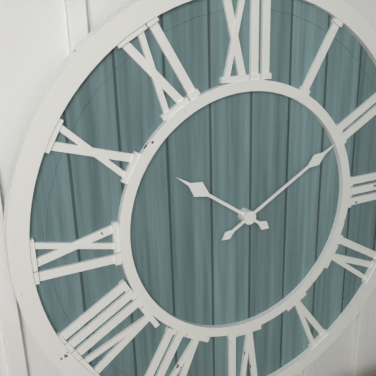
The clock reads 10h10
